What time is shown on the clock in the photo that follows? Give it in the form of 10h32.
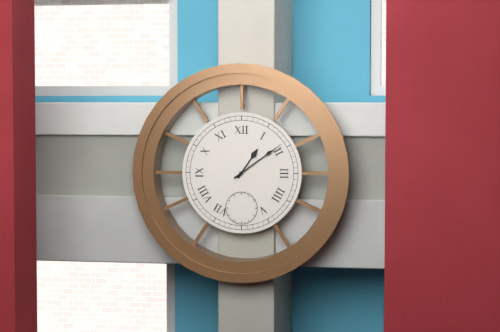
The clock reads 1h09
